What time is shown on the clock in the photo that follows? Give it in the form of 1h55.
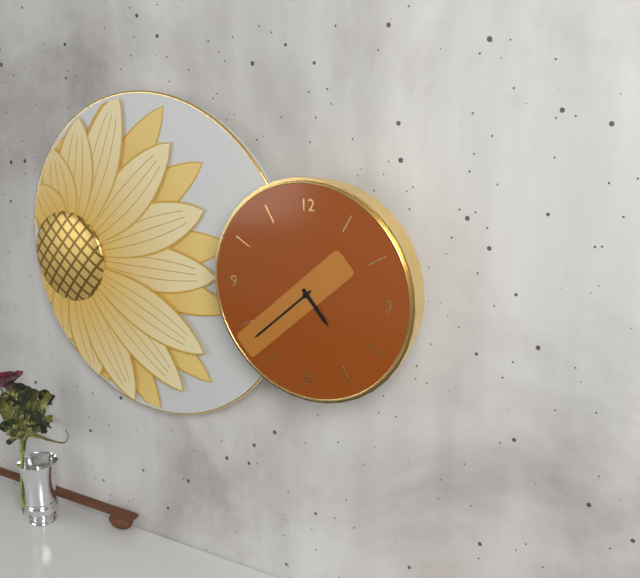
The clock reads 4h38
